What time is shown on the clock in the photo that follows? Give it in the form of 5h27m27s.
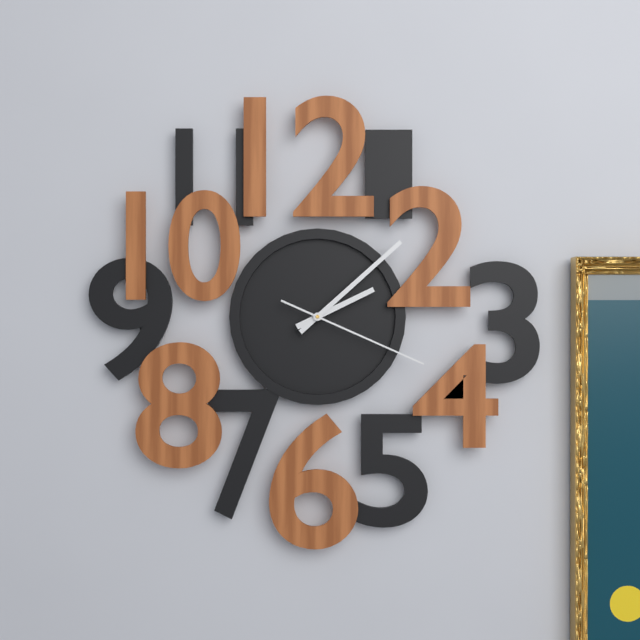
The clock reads 2h08m19s
